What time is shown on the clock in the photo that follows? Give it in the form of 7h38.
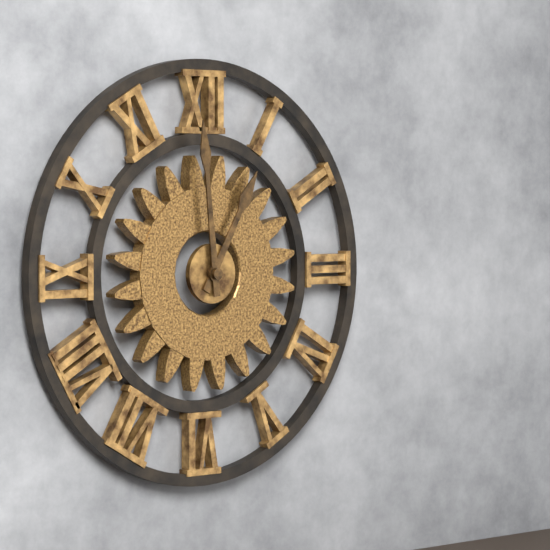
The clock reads 12h59
